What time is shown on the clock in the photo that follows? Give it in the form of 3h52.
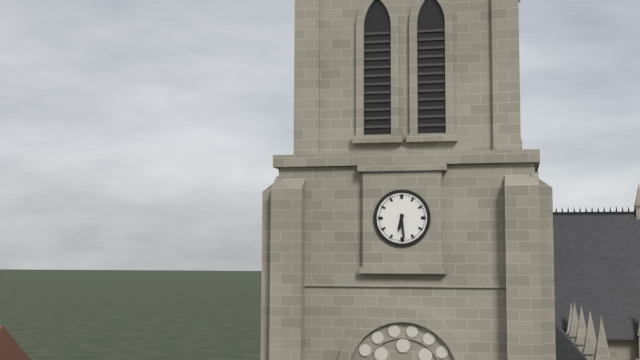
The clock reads 6h29
